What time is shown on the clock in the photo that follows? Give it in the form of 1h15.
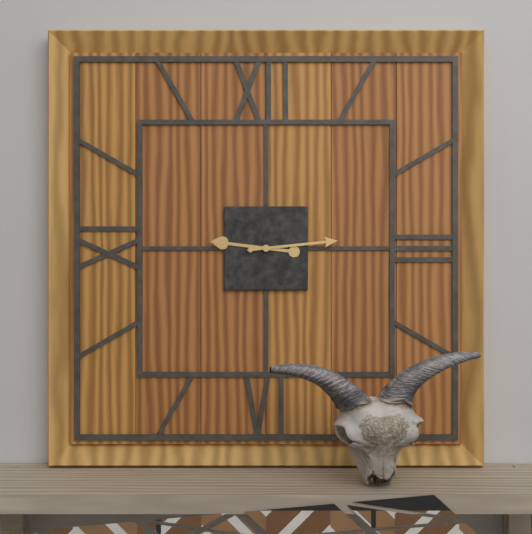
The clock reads 9h14
